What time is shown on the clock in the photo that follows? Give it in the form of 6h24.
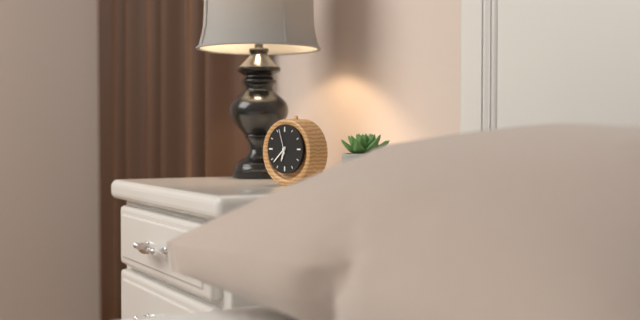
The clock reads 6h38
